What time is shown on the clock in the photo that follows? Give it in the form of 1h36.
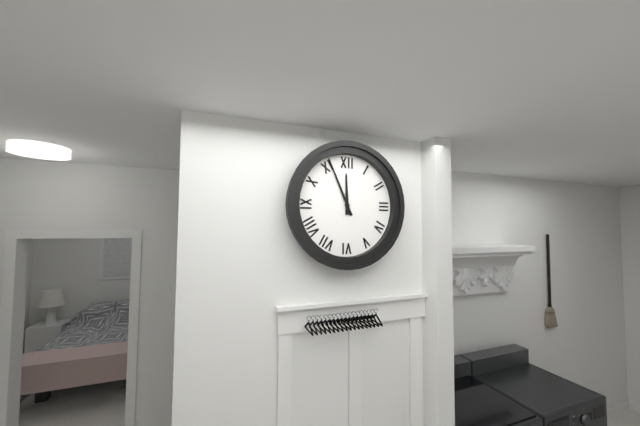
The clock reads 11h56
